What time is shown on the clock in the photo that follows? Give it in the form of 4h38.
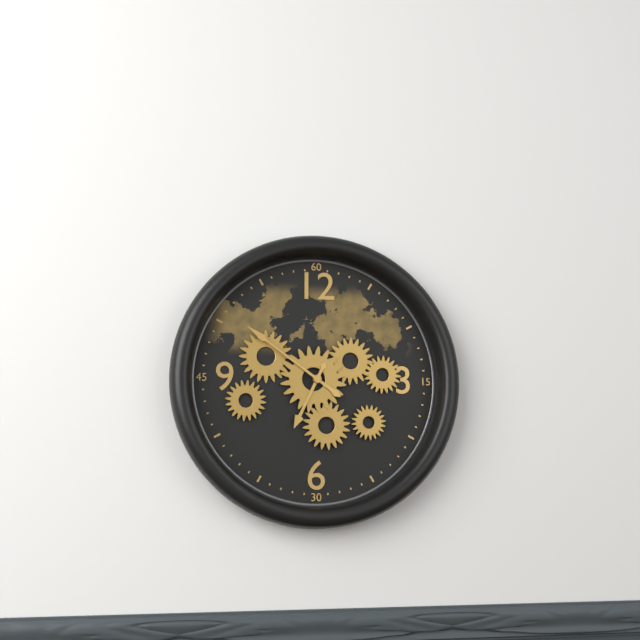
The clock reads 6h51
